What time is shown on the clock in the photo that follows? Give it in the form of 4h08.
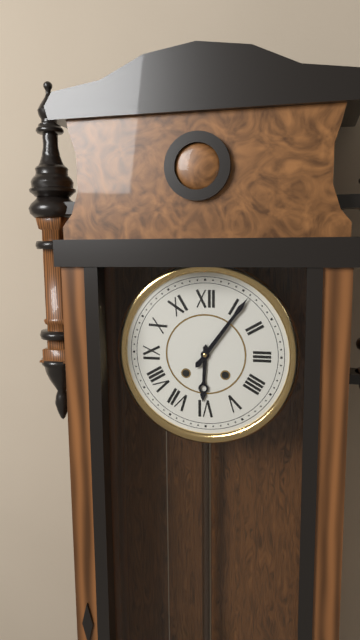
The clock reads 6h06
